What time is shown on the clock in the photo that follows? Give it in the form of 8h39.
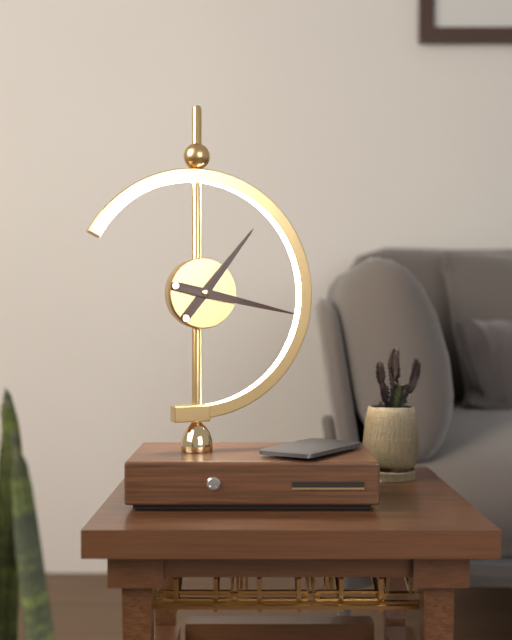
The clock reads 1h17
